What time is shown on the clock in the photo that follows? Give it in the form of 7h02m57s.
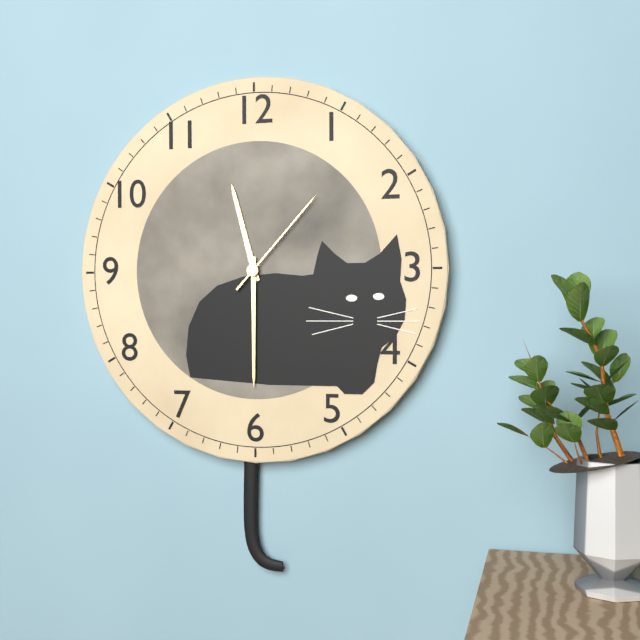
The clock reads 11h30m07s
